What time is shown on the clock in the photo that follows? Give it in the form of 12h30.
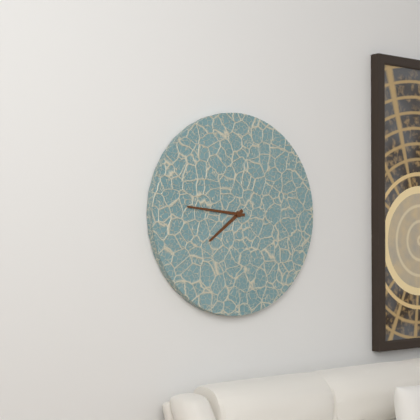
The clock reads 7h46
